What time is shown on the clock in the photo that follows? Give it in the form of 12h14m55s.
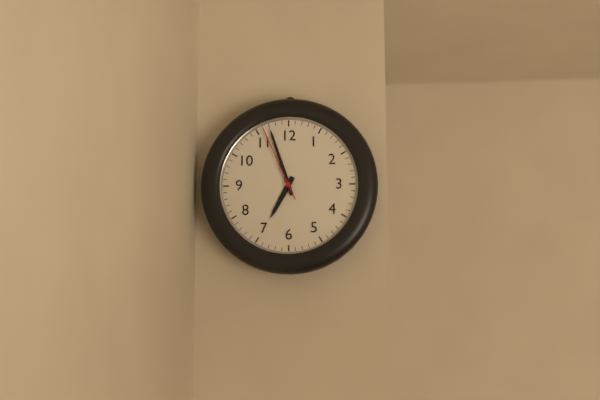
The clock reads 6h57m56s
